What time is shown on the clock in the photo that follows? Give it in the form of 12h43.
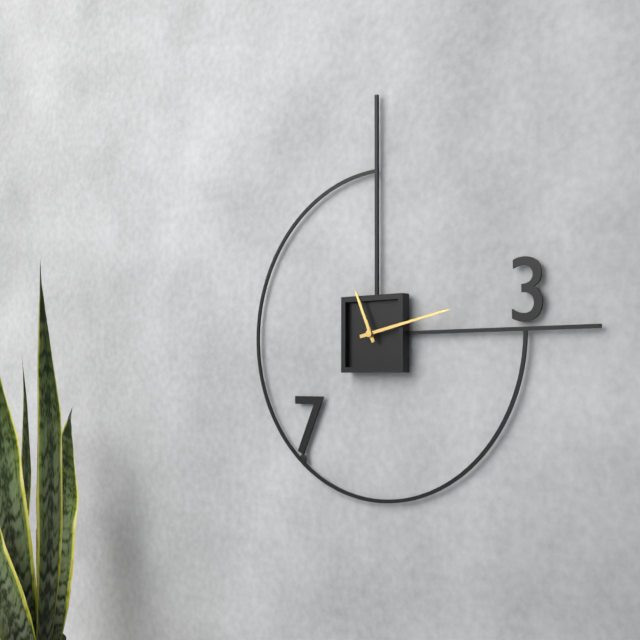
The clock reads 11h13
